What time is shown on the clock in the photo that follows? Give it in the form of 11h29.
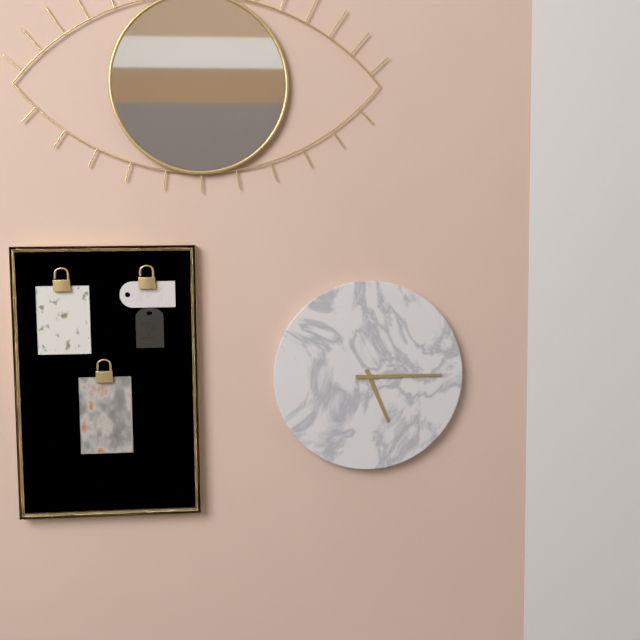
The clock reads 5h15
